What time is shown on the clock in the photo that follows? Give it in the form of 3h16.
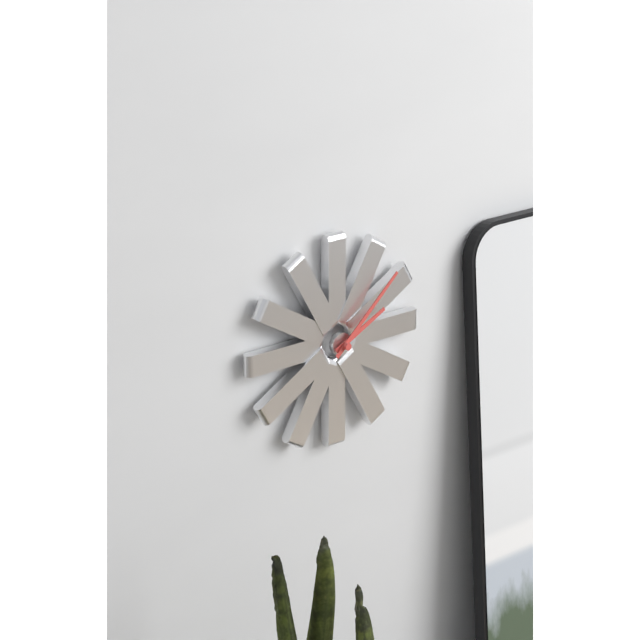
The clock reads 2h08
